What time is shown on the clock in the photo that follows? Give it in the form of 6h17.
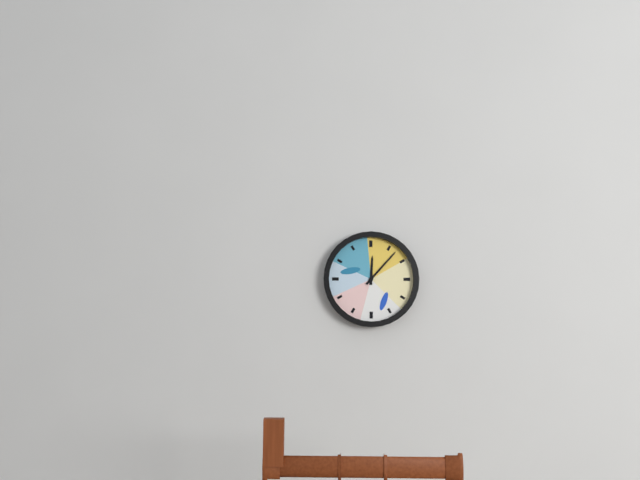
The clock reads 12h07
